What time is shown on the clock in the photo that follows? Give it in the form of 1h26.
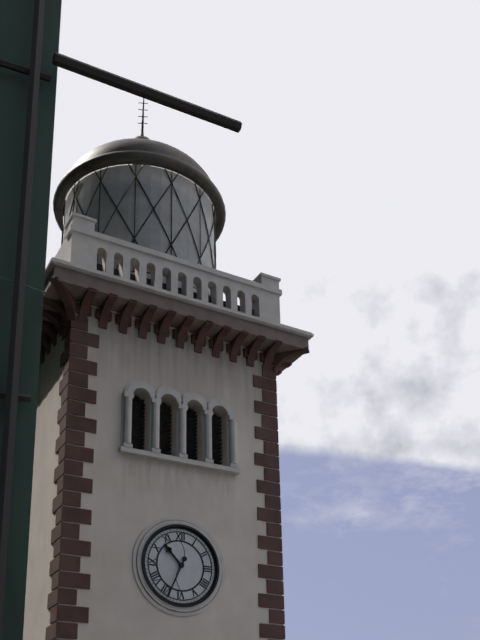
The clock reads 10h34
